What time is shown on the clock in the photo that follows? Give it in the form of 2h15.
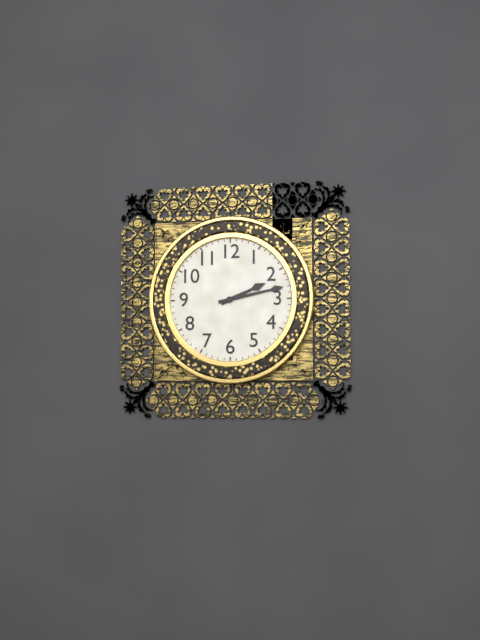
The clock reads 2h13
